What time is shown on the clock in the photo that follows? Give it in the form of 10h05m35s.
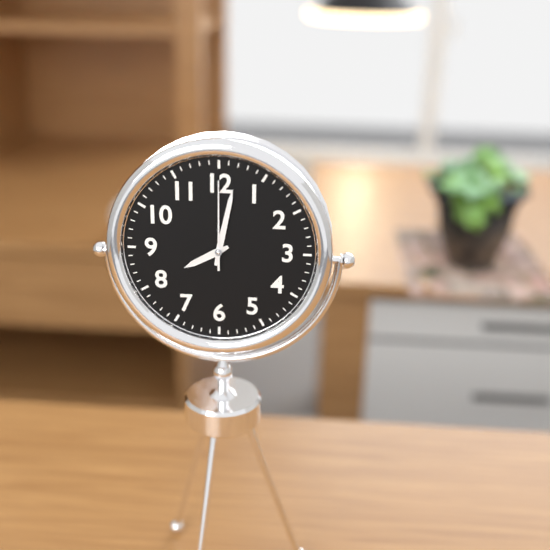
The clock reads 8h02m00s
